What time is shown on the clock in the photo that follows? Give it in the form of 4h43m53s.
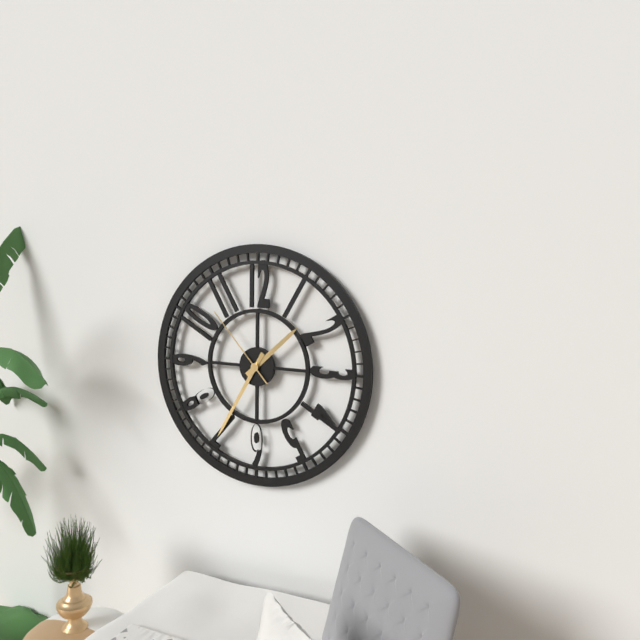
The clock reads 1h35m53s
